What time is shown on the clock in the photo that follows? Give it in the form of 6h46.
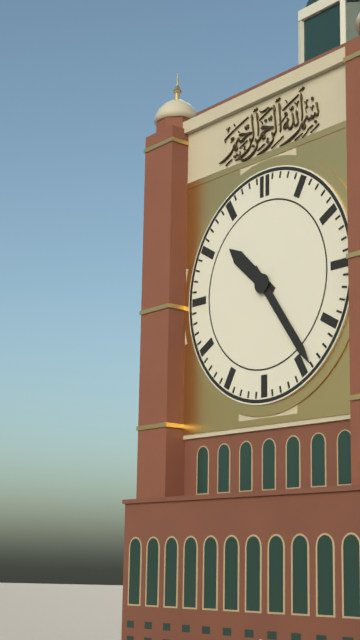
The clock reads 10h24
